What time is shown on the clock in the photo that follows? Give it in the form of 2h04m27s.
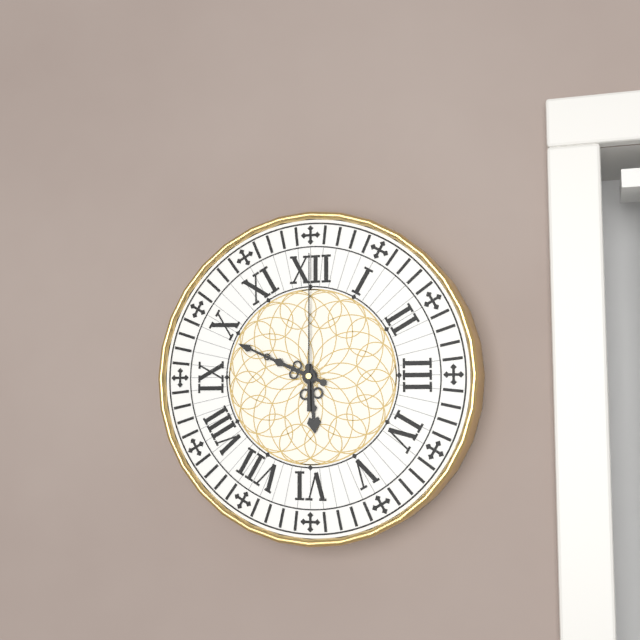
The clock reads 5h49m00s
